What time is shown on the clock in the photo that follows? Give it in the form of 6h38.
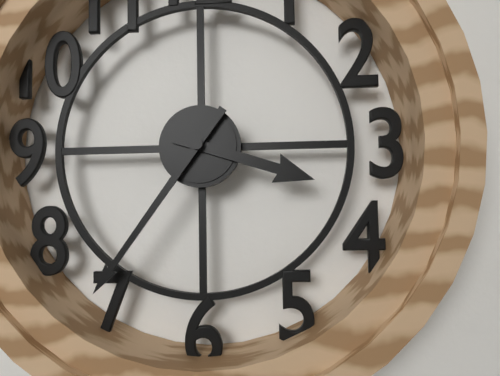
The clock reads 3h36
